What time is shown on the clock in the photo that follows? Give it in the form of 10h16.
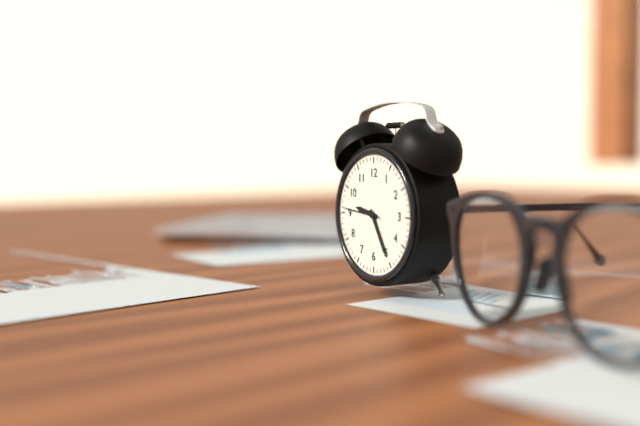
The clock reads 9h25
